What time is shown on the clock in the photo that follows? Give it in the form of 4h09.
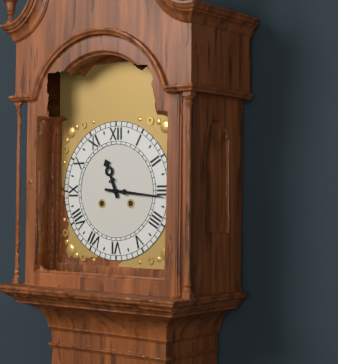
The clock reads 11h16
